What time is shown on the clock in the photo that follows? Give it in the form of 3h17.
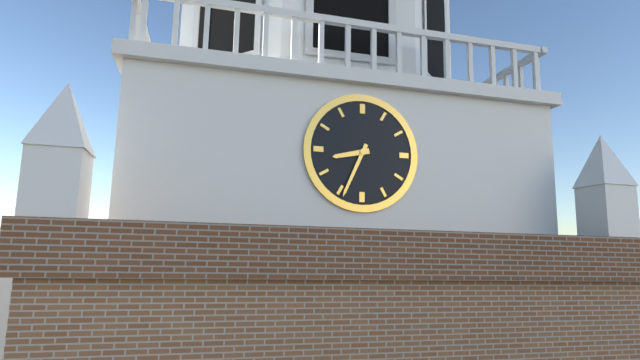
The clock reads 8h34
